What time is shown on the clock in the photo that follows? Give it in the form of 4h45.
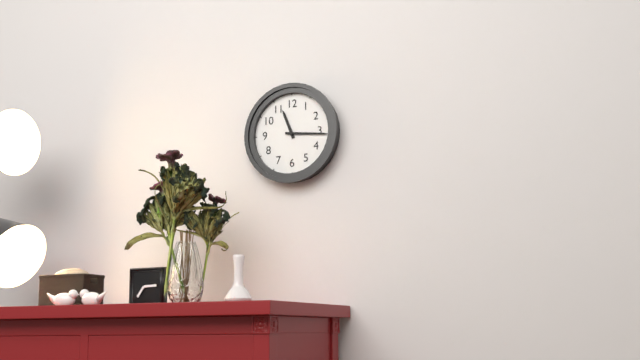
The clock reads 11h16
